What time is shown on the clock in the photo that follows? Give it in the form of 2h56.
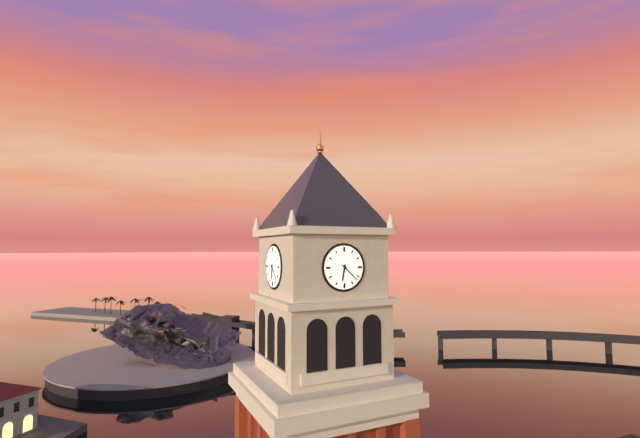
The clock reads 6h22
